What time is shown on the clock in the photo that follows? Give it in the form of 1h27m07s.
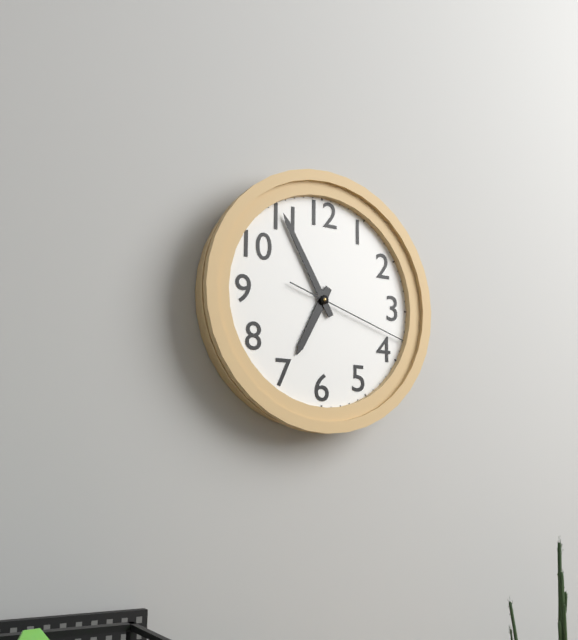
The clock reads 6h55m18s
